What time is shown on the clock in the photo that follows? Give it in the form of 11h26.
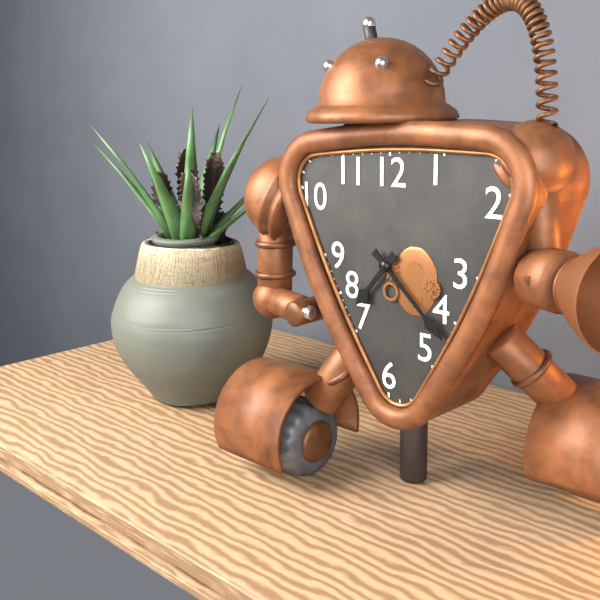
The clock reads 7h22
